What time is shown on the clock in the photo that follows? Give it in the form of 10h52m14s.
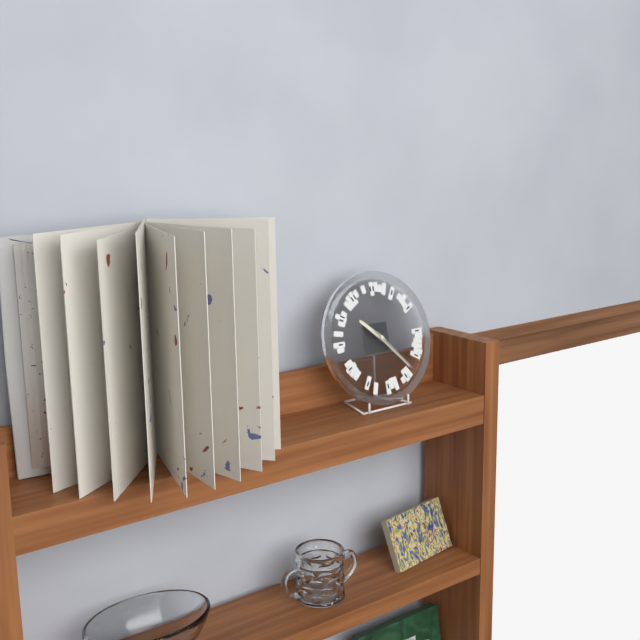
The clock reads 10h23m23s
